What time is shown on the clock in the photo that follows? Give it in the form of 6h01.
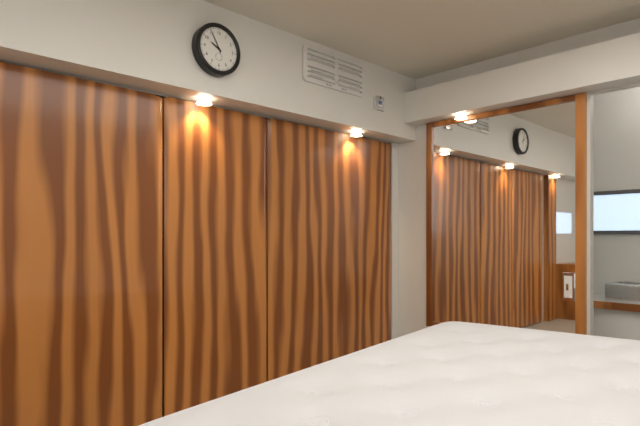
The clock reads 9h55
